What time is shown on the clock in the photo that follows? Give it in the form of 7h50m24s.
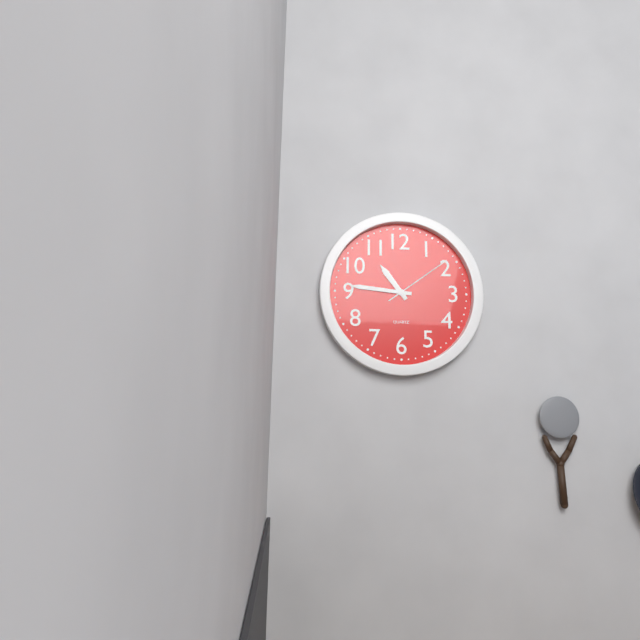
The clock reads 10h46m09s
